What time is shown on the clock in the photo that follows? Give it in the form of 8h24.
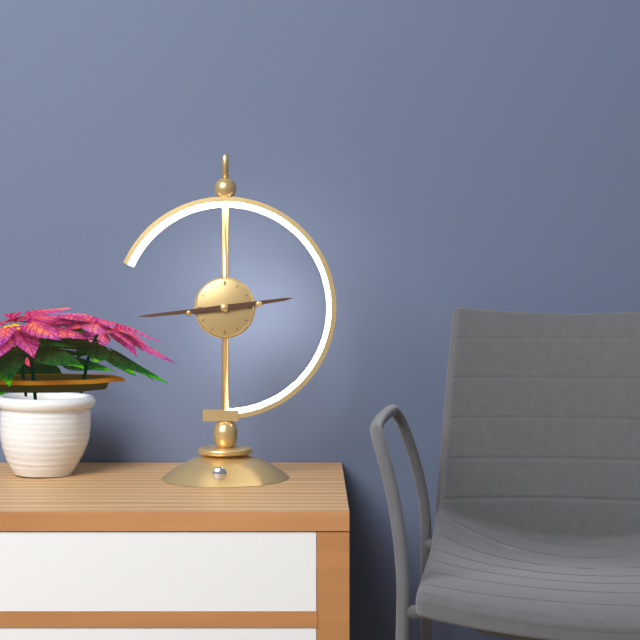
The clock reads 2h44
